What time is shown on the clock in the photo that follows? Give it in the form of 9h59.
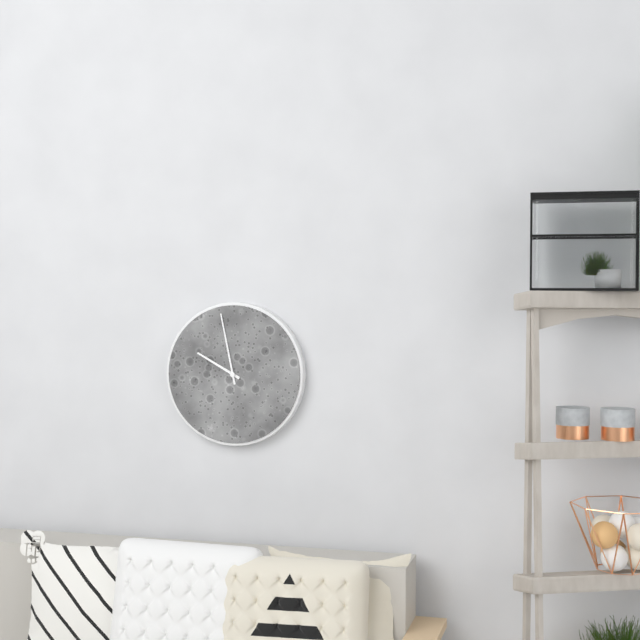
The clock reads 9h58
